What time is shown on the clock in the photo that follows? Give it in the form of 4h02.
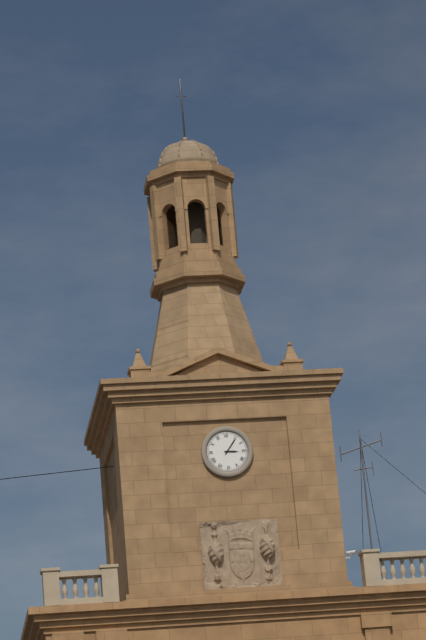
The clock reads 3h06
